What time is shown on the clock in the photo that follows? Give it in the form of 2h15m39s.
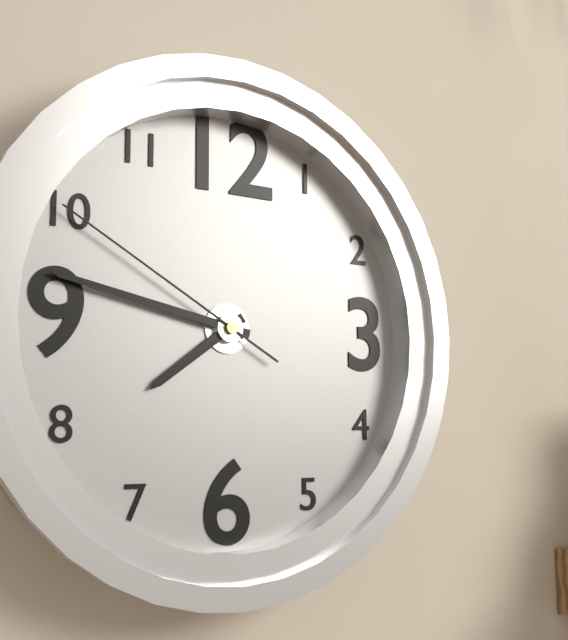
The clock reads 7h47m50s
